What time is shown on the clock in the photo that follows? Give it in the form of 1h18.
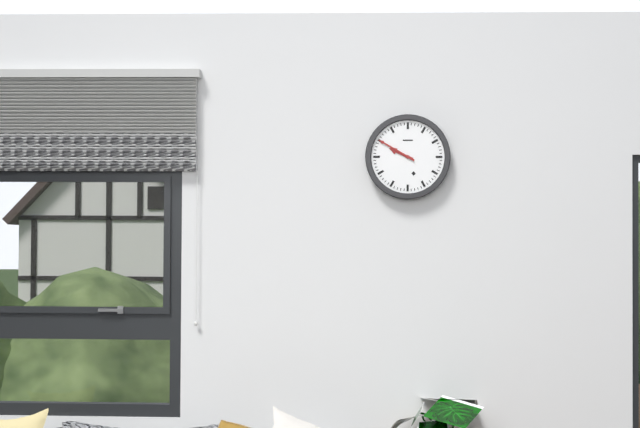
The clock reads 9h50
